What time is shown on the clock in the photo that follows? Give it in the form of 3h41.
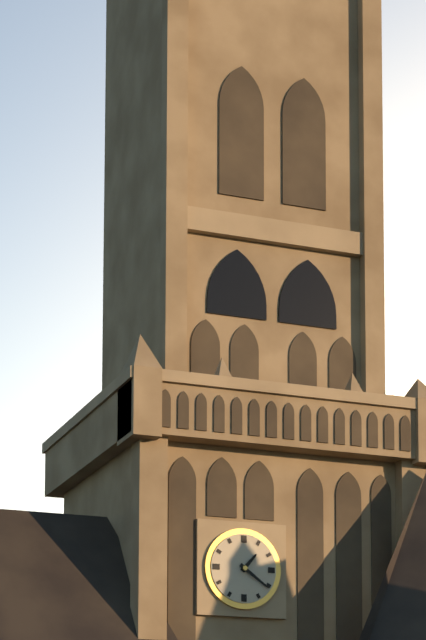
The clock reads 1h21
